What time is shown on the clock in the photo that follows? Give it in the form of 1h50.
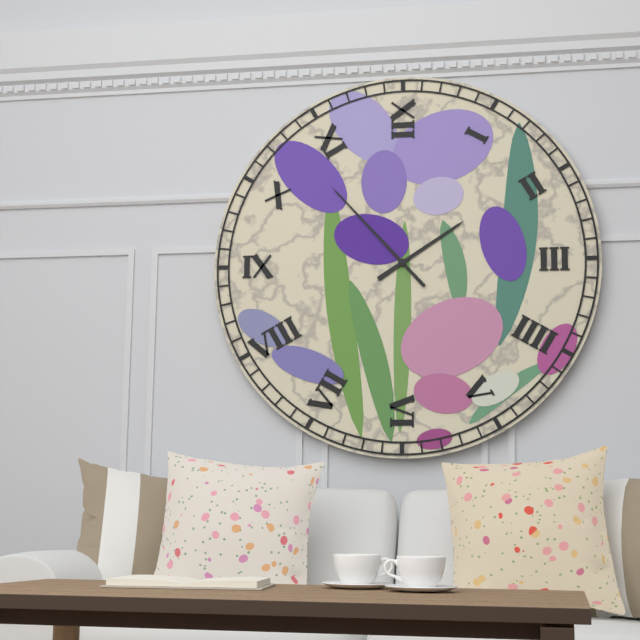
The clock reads 1h53
